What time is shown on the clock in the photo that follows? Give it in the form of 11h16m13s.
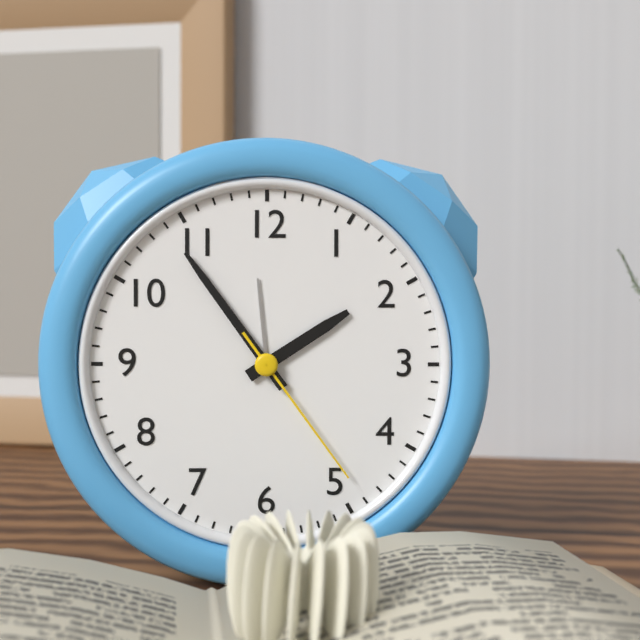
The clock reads 1h54m24s
